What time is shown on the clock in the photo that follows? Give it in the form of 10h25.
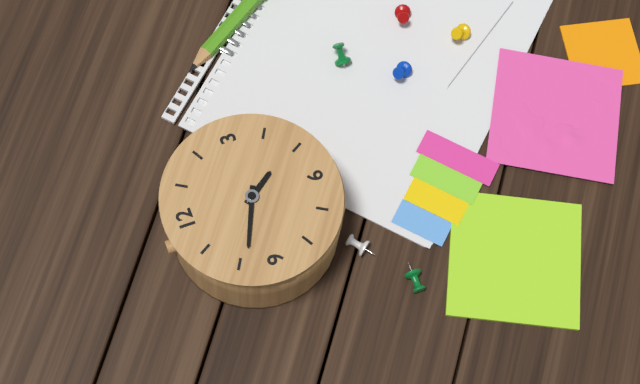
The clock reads 4h49
